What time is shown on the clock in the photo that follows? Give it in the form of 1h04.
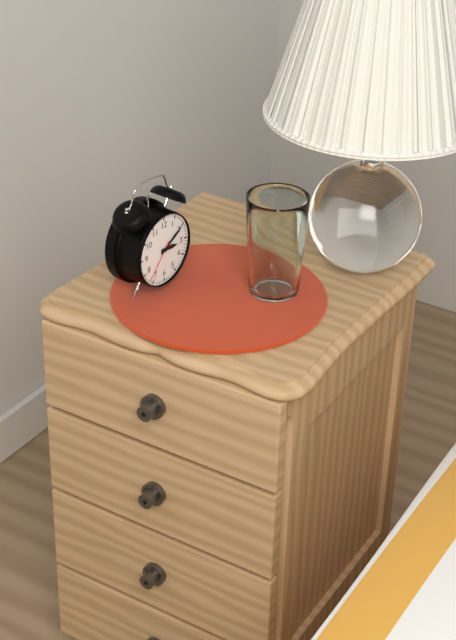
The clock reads 3h10
